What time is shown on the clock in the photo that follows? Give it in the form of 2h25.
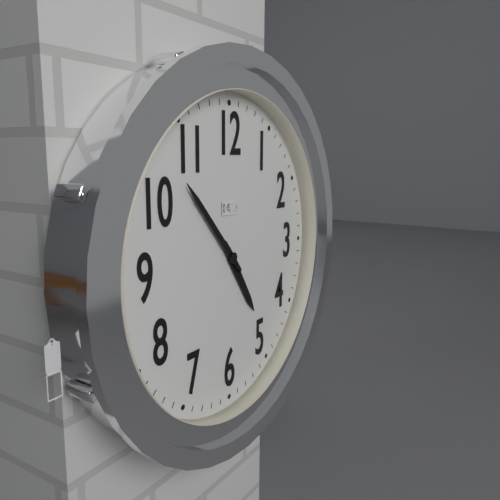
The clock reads 4h53
